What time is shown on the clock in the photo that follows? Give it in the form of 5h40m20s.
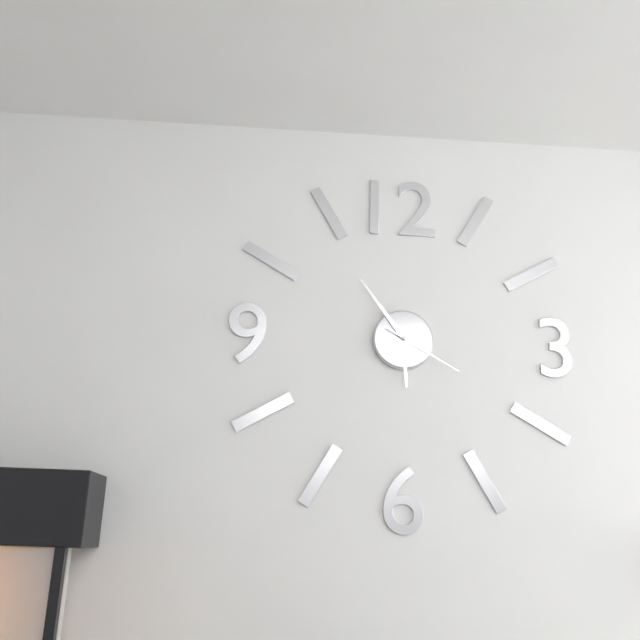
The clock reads 5h54m20s
